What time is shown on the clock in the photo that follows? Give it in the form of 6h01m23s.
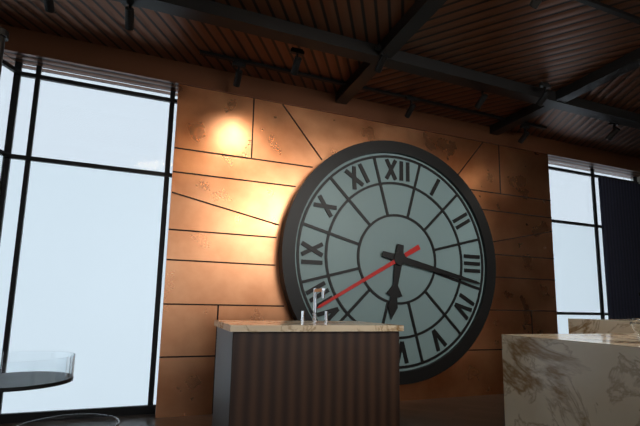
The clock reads 6h17m40s
